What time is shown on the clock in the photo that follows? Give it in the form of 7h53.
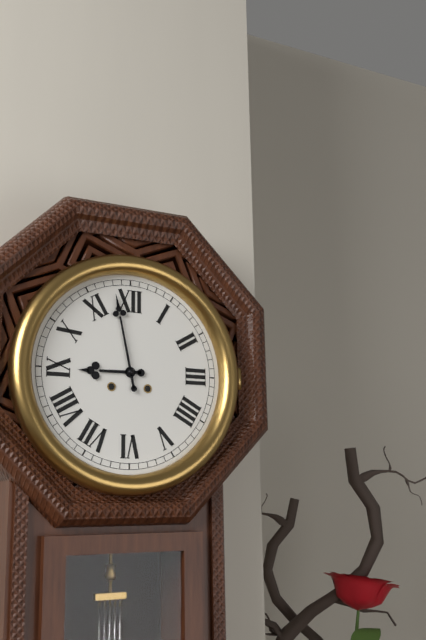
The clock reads 8h58
